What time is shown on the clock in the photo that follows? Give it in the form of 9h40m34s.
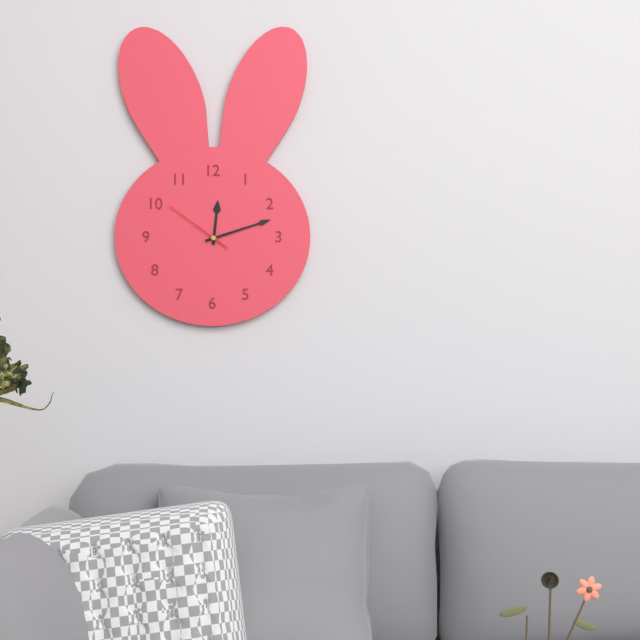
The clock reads 12h12m51s
